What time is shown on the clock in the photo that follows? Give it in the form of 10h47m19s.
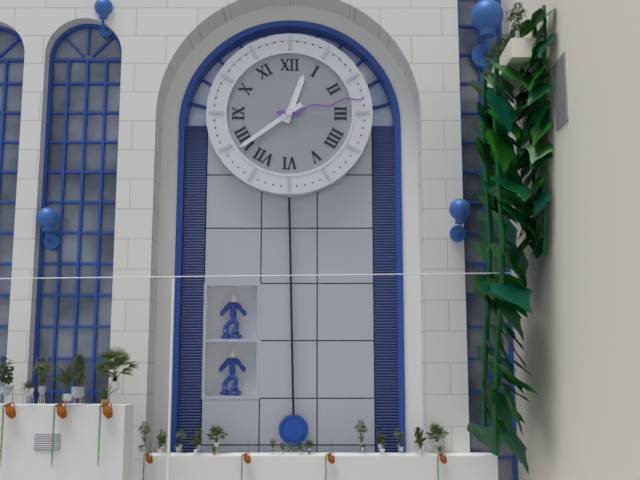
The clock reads 12h39m13s
